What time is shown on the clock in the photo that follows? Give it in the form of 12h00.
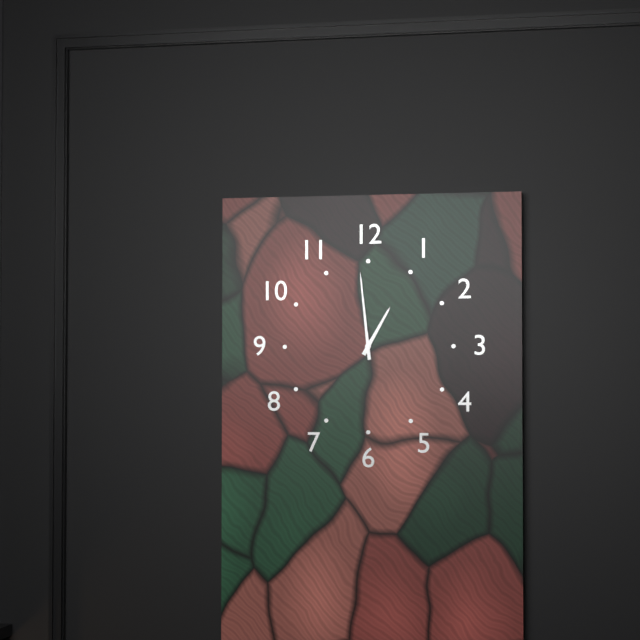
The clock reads 12h59
